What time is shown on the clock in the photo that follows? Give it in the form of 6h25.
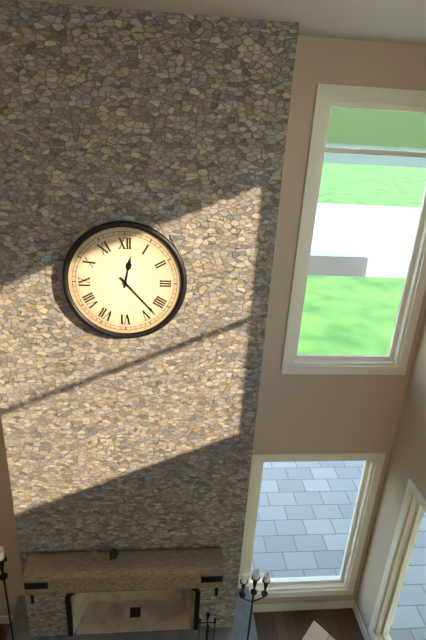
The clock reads 12h23
